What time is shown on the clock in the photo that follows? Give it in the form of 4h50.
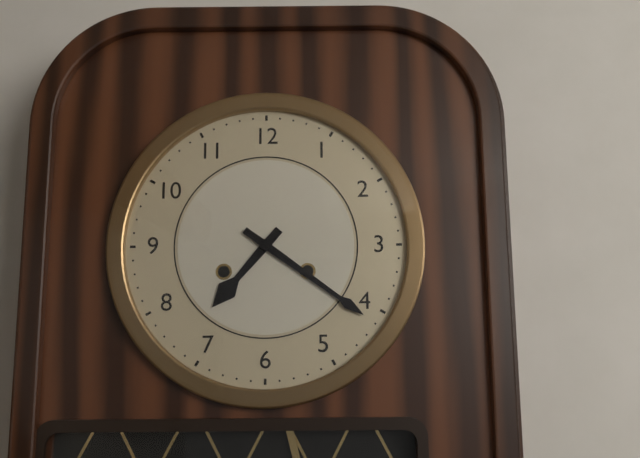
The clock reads 7h21
